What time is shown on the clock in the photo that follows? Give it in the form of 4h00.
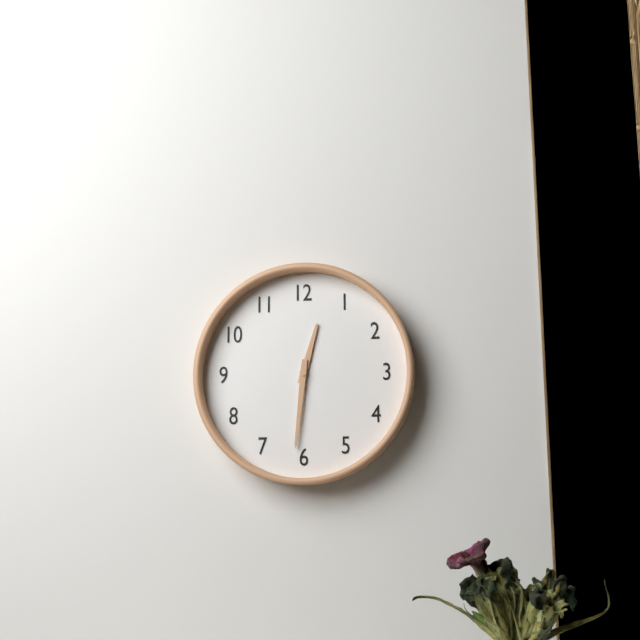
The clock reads 12h31
